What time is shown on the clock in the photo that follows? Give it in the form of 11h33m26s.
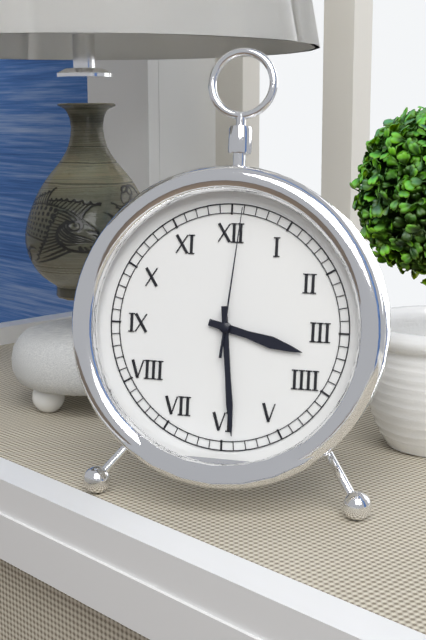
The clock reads 3h29m01s
